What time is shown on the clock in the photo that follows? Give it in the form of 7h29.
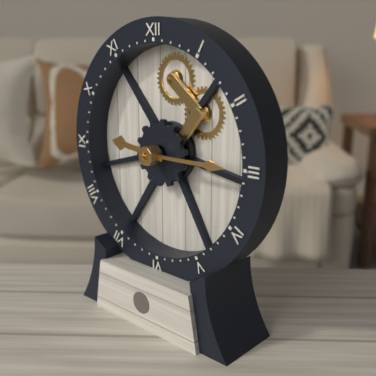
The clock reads 9h15
